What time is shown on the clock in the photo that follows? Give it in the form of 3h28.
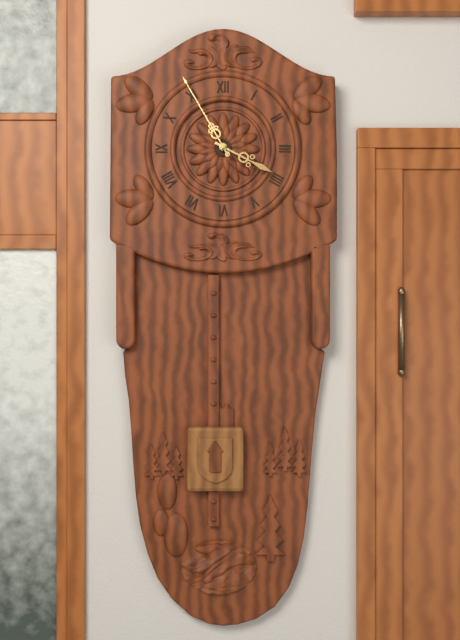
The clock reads 3h55
